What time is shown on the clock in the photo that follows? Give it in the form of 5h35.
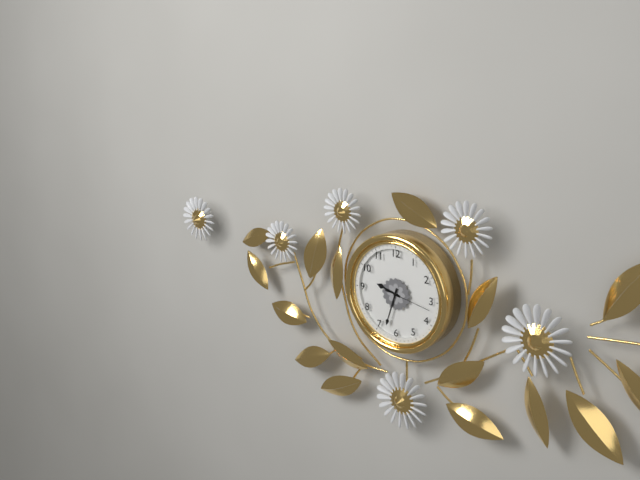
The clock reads 9h33
